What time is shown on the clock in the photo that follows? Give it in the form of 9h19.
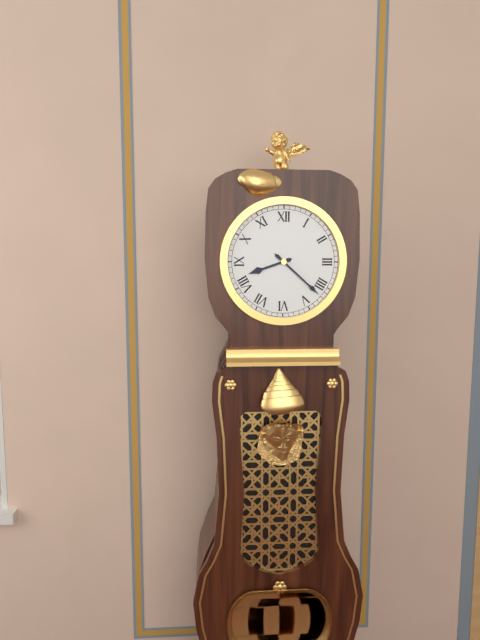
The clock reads 8h22
